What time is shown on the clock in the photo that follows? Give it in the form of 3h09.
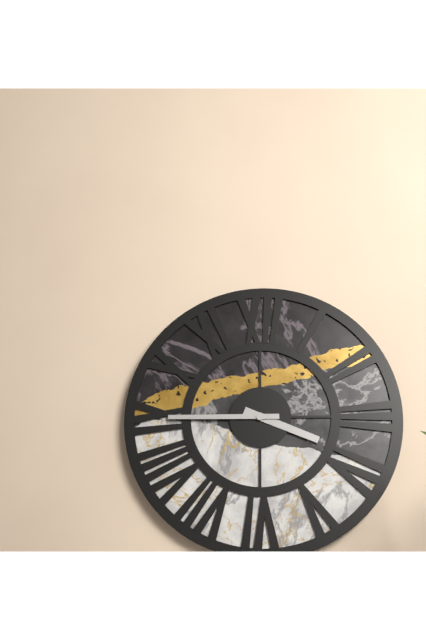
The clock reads 3h45
